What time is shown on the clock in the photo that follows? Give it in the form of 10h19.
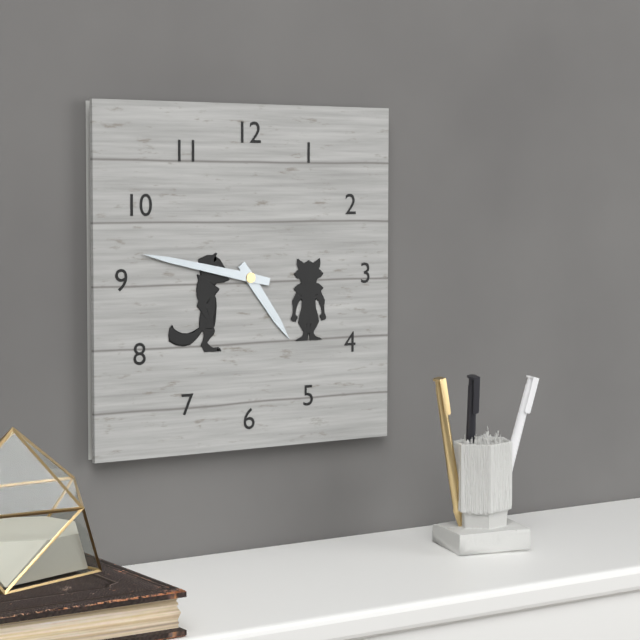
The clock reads 4h47
